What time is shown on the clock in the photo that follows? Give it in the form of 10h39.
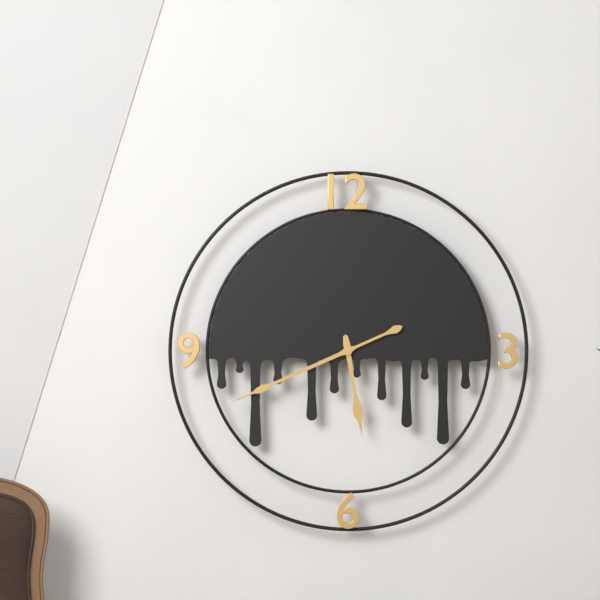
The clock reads 5h41
